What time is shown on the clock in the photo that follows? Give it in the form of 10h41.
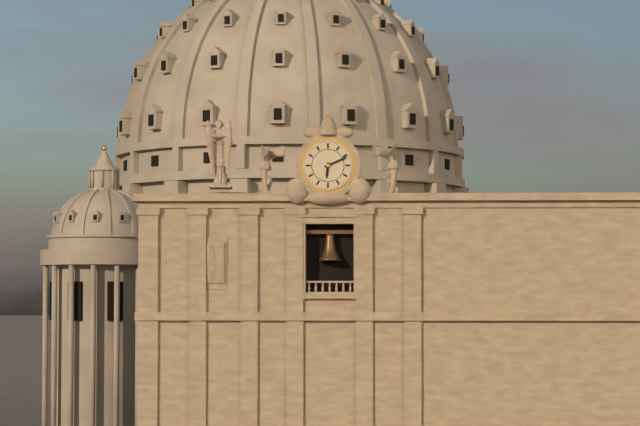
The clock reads 6h11
